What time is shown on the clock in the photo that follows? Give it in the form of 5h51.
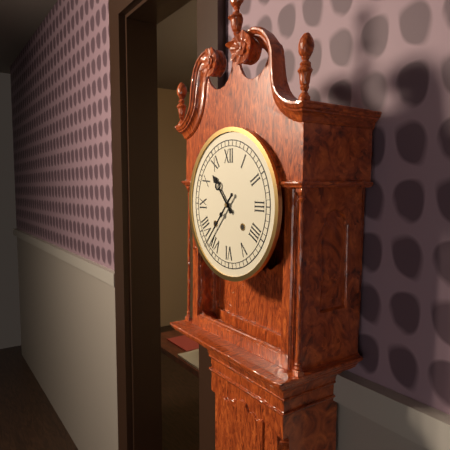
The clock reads 10h37
